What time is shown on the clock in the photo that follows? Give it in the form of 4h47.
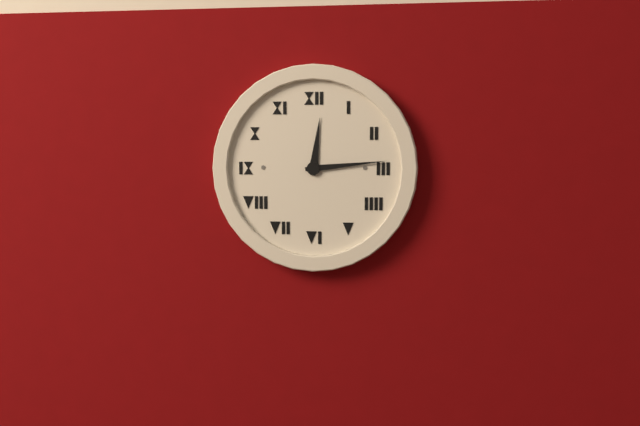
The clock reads 12h14
